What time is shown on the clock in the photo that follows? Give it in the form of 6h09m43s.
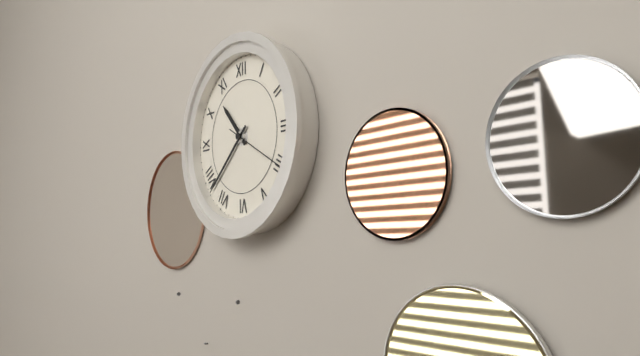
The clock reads 10h38m20s
